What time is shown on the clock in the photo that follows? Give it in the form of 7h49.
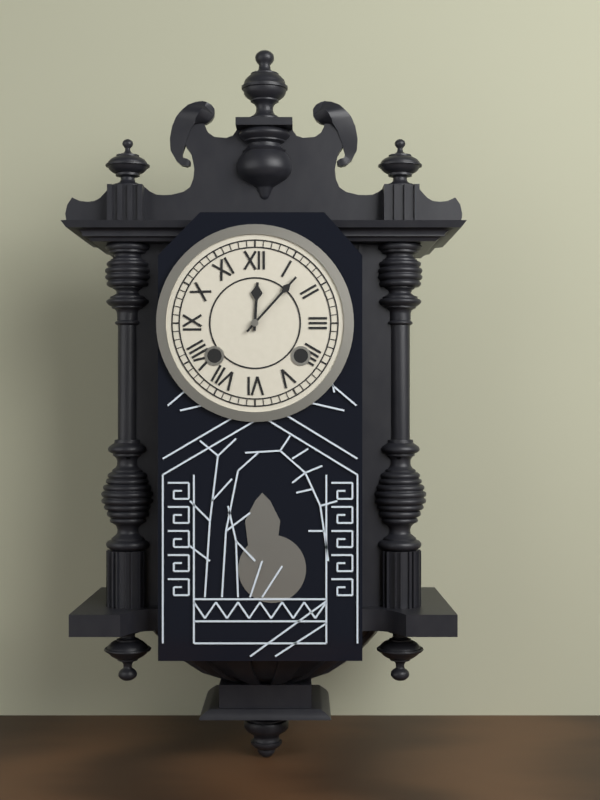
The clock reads 12h07
